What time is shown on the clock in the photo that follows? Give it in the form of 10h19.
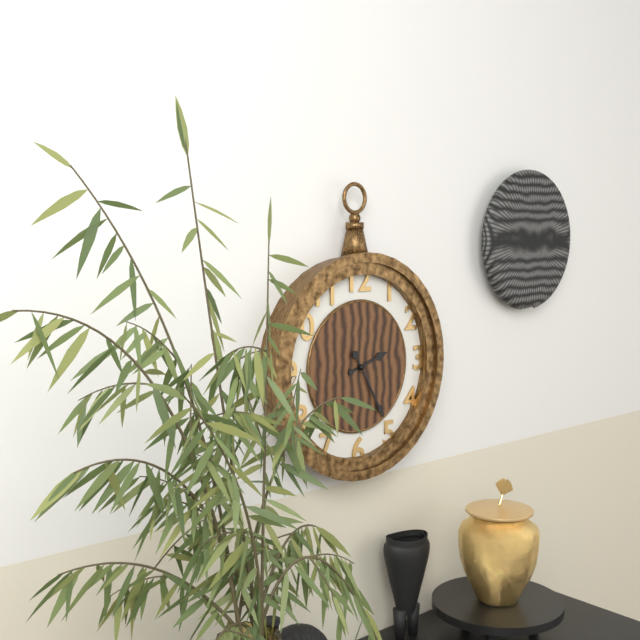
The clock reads 2h25
